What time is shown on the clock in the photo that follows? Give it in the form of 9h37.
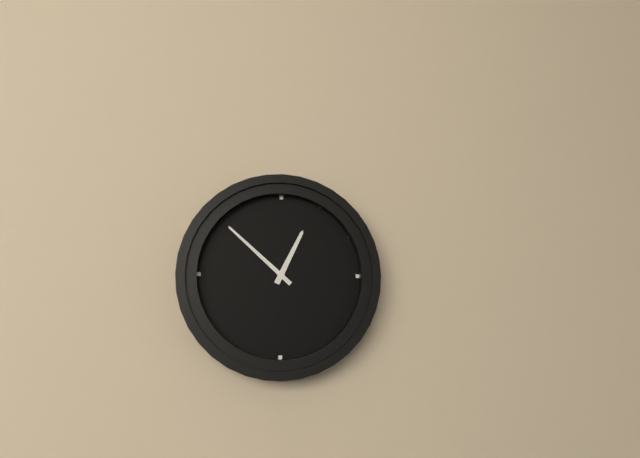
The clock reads 12h52
